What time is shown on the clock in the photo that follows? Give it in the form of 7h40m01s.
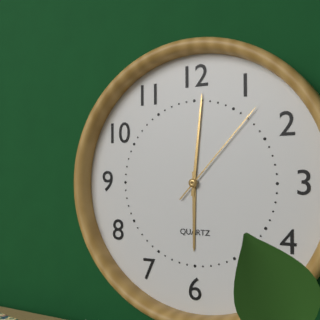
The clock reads 6h01m07s
